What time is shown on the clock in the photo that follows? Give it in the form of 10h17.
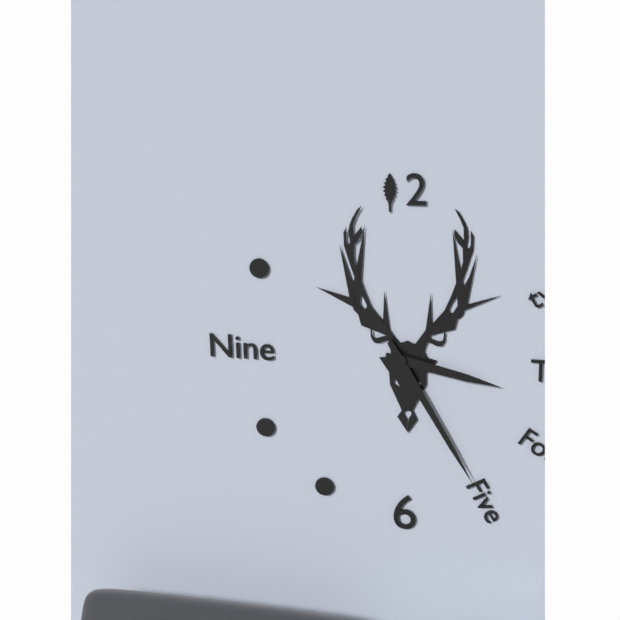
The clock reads 3h25
